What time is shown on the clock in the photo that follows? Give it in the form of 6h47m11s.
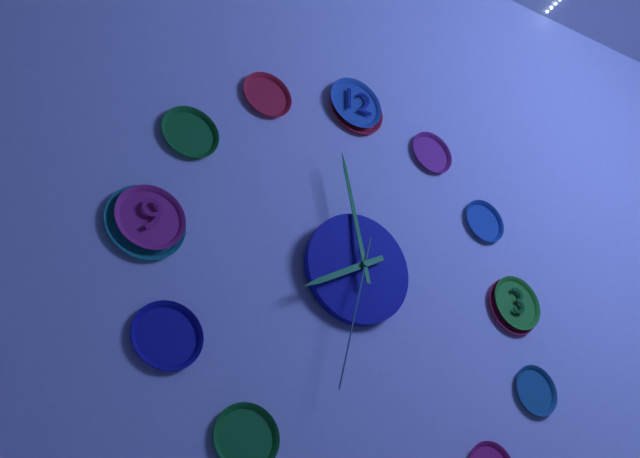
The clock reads 7h58m32s
